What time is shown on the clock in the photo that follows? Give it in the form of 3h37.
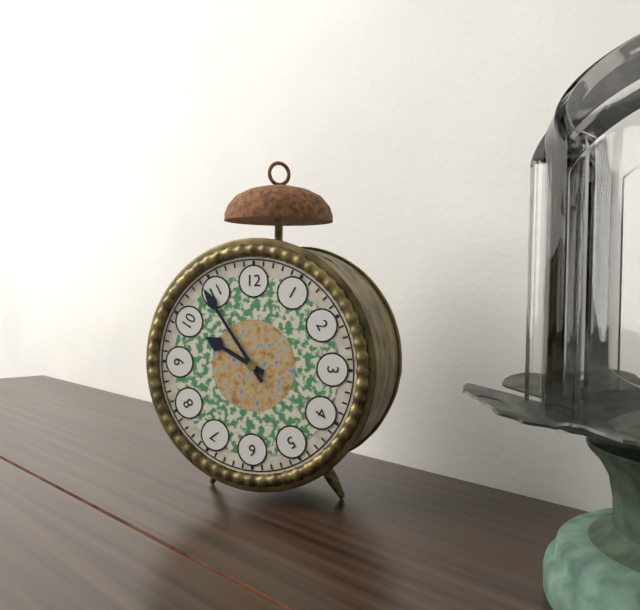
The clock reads 9h54
